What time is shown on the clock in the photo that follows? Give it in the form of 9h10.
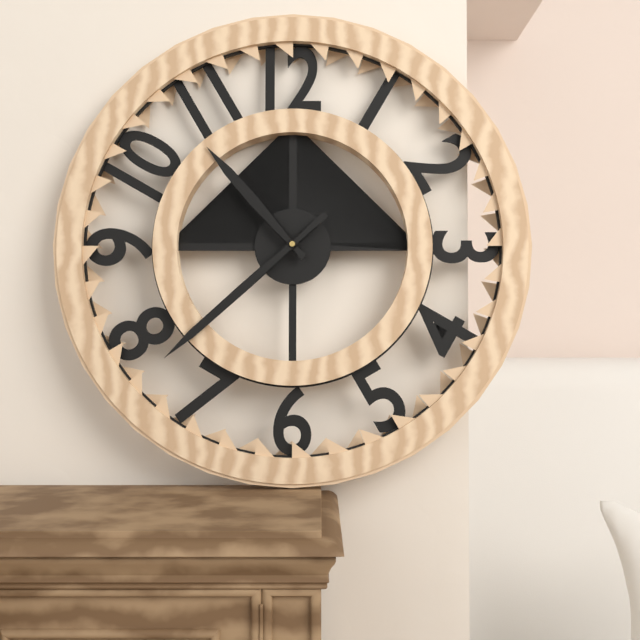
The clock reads 10h38
